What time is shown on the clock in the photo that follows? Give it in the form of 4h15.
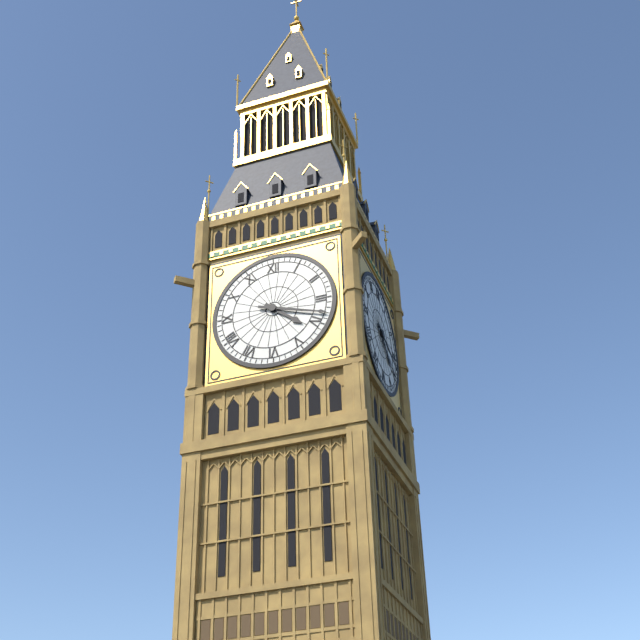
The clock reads 4h18
